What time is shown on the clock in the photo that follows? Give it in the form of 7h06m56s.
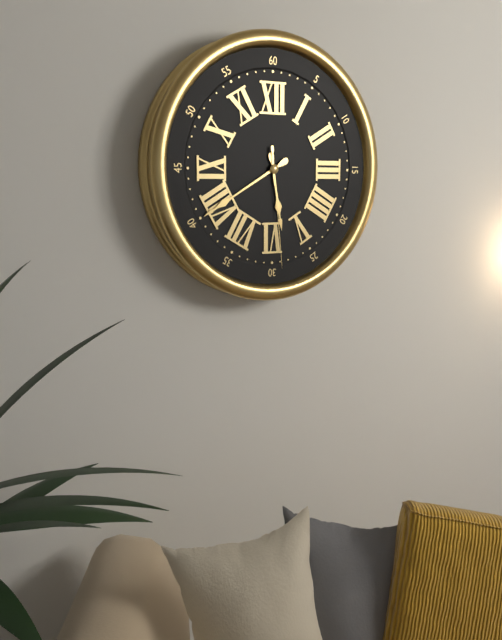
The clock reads 5h40m29s
